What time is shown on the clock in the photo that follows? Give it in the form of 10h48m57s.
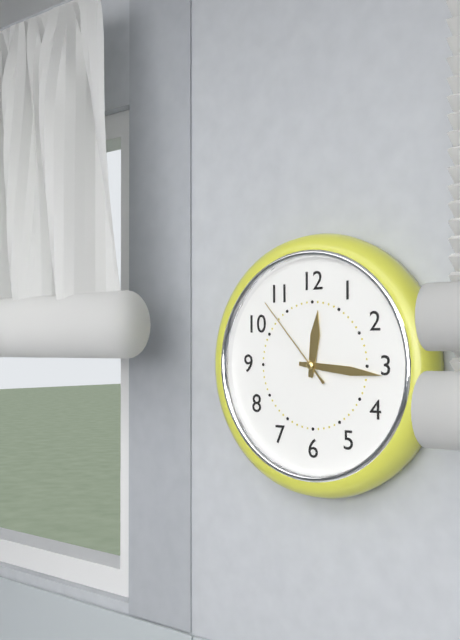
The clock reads 12h16m53s
